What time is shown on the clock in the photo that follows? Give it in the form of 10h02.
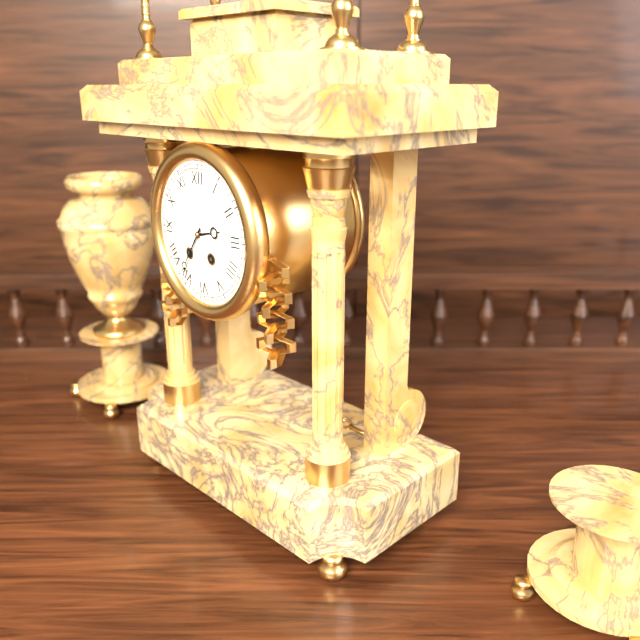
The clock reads 2h36
